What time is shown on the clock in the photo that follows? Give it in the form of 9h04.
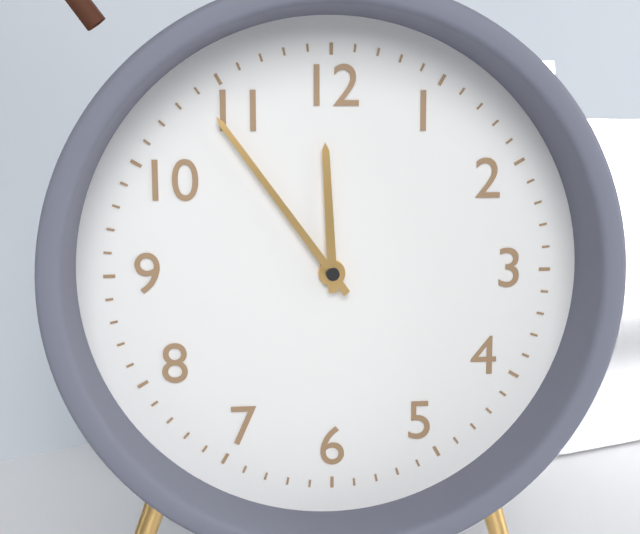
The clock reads 11h54
